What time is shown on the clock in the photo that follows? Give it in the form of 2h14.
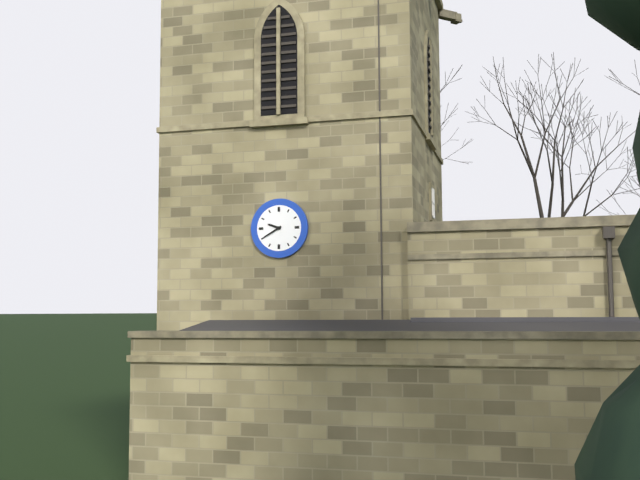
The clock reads 9h40
